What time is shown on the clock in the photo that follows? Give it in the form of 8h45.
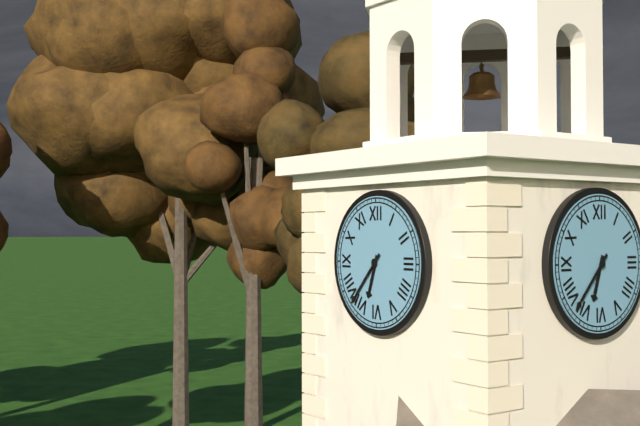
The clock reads 6h37
